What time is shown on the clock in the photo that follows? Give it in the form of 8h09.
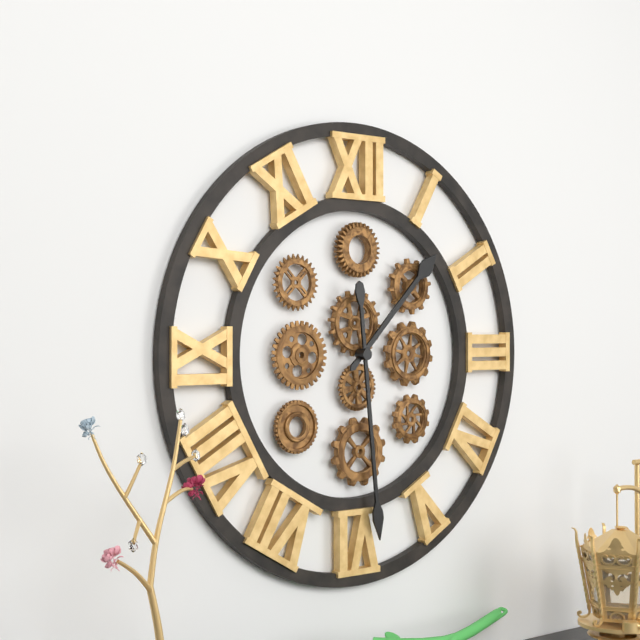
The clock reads 1h29
